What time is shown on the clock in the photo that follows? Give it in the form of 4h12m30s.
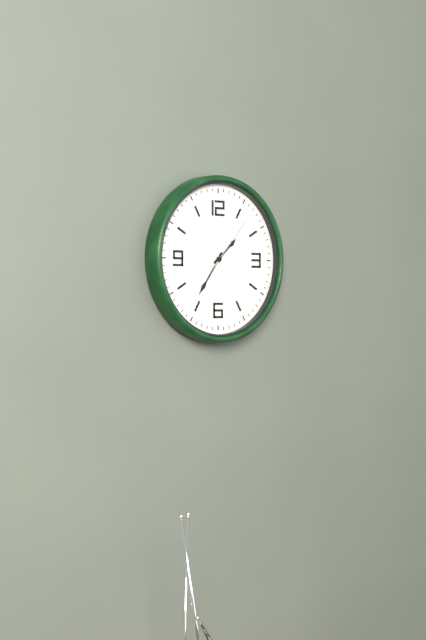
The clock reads 1h36m07s
